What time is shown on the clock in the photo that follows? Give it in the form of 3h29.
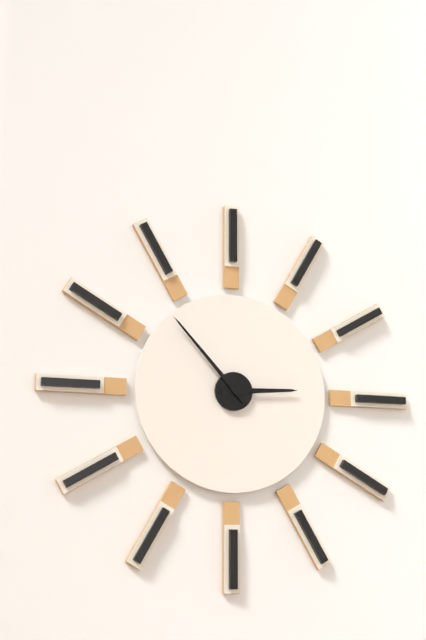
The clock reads 2h53
